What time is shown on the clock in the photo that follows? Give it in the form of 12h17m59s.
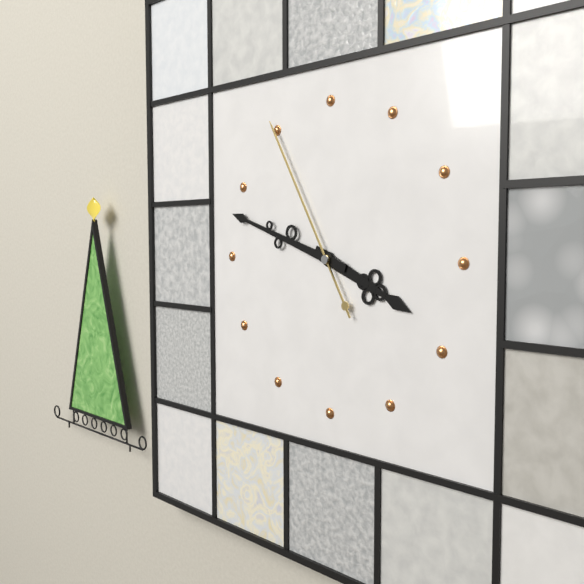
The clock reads 3h48m55s
